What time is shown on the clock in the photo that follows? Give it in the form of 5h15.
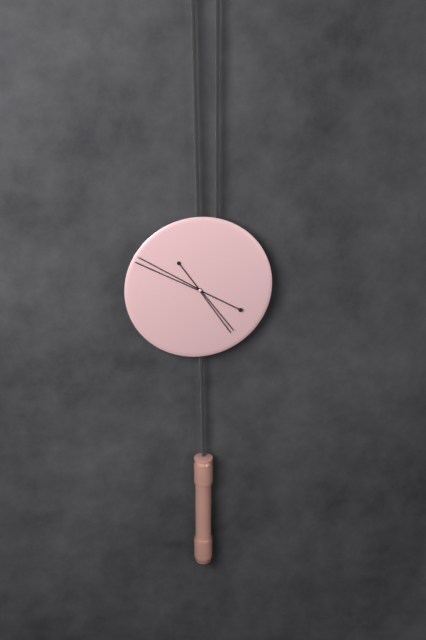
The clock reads 4h50
